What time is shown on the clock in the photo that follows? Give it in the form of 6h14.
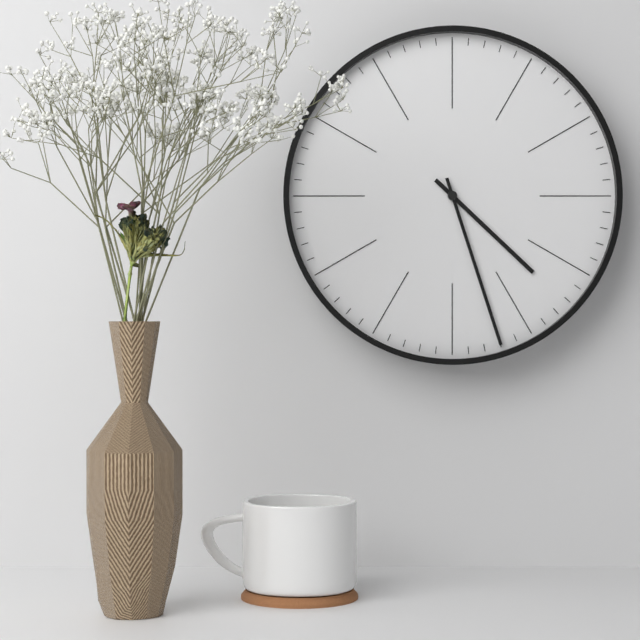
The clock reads 4h27
